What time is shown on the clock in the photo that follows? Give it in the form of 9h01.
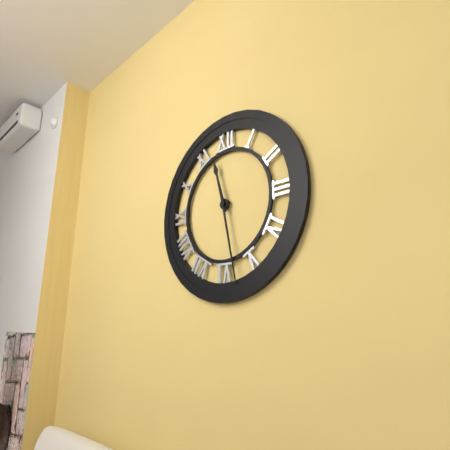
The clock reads 11h28
